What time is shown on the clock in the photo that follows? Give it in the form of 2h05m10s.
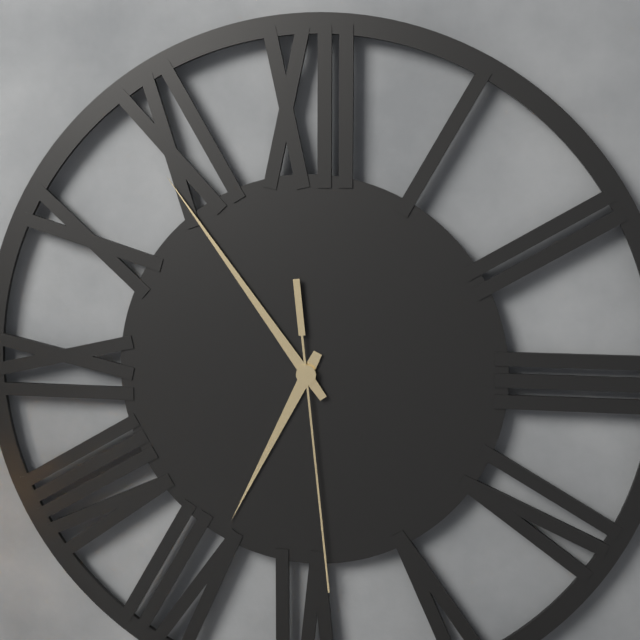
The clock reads 6h54m29s
